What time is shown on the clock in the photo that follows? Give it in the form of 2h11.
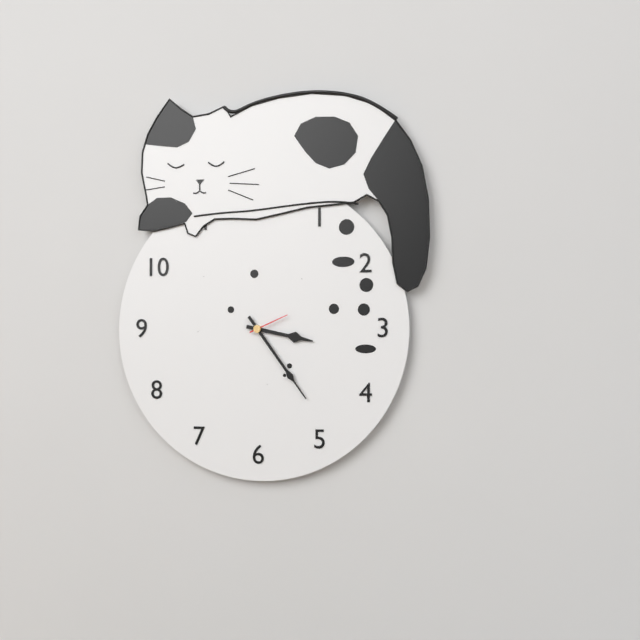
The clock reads 3h24
